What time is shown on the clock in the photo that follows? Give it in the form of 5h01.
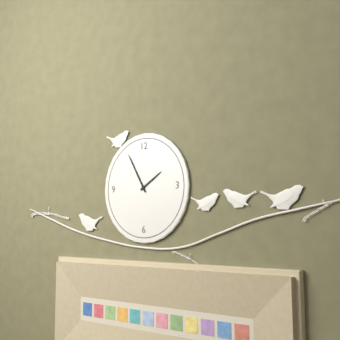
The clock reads 1h55
